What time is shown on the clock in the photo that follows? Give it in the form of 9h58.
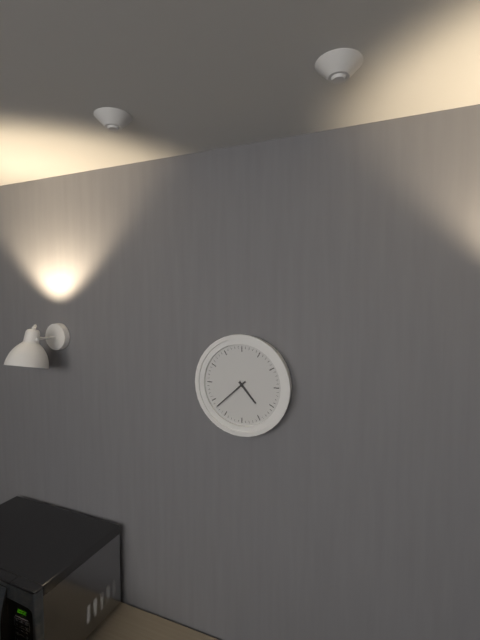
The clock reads 4h38
